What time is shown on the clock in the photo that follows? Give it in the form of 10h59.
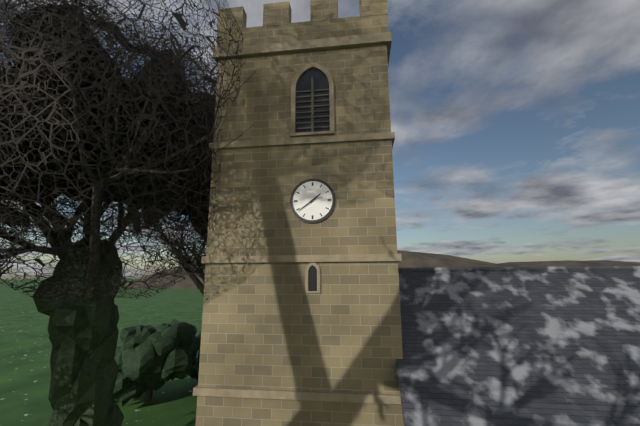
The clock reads 1h39
